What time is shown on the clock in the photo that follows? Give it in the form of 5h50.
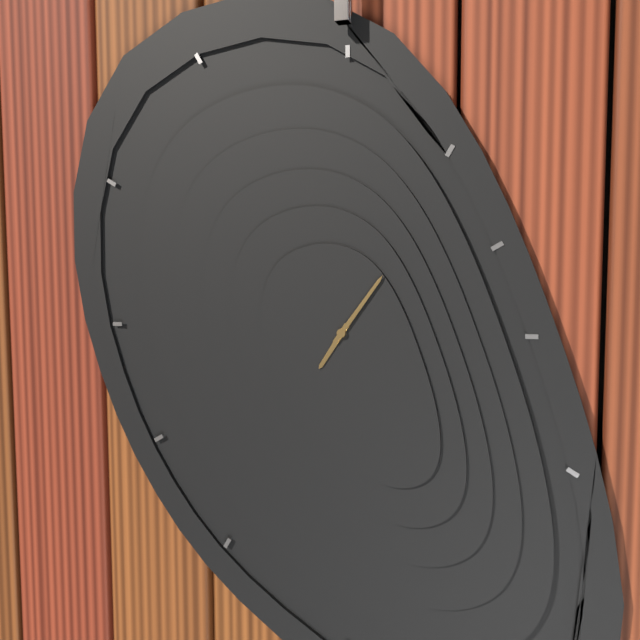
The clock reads 7h06
